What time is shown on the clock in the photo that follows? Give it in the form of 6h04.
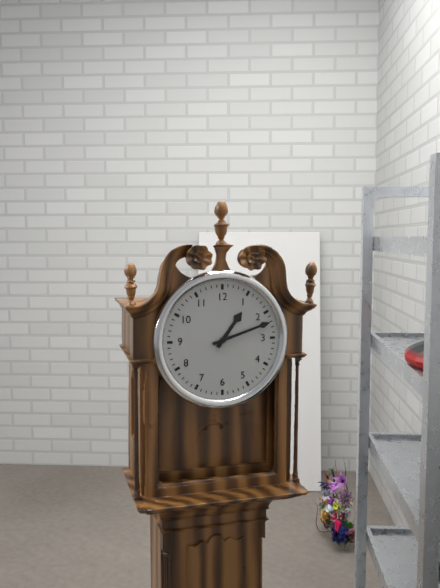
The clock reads 1h12
